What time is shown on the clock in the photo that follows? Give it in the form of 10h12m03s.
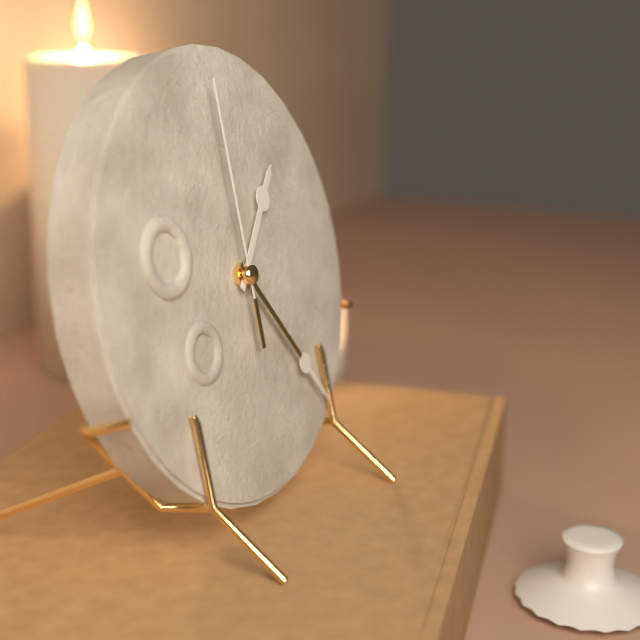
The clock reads 1h24m00s
